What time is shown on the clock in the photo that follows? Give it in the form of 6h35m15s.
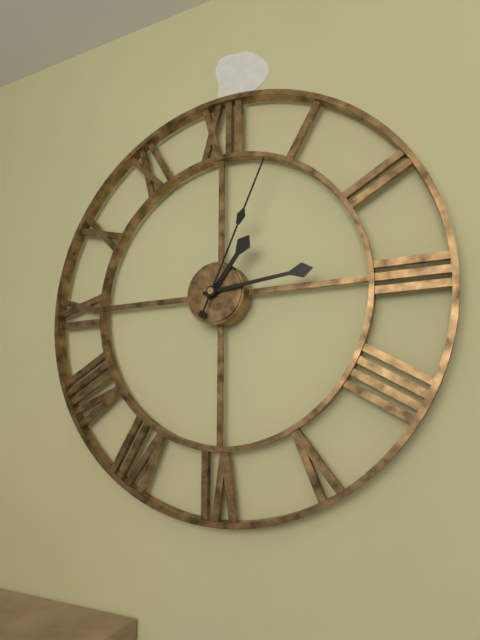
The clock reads 1h14m04s
